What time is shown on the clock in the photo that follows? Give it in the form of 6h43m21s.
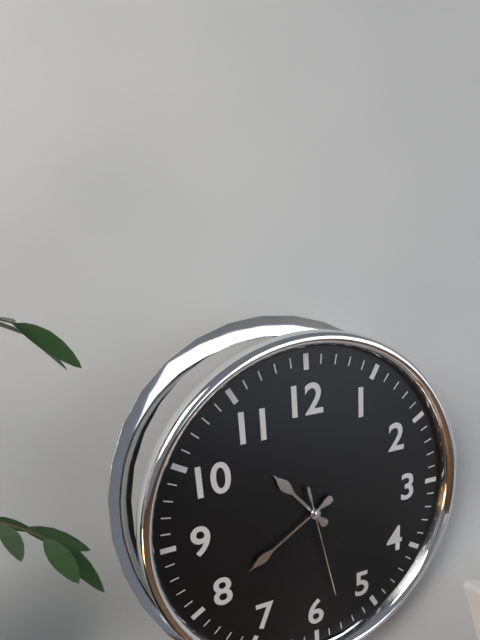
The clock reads 10h40m28s
